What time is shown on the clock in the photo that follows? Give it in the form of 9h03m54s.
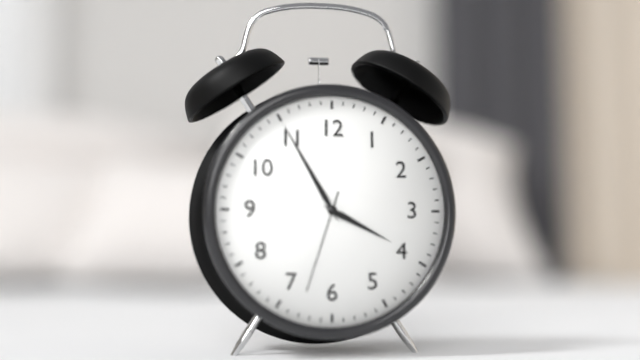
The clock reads 3h55m33s
